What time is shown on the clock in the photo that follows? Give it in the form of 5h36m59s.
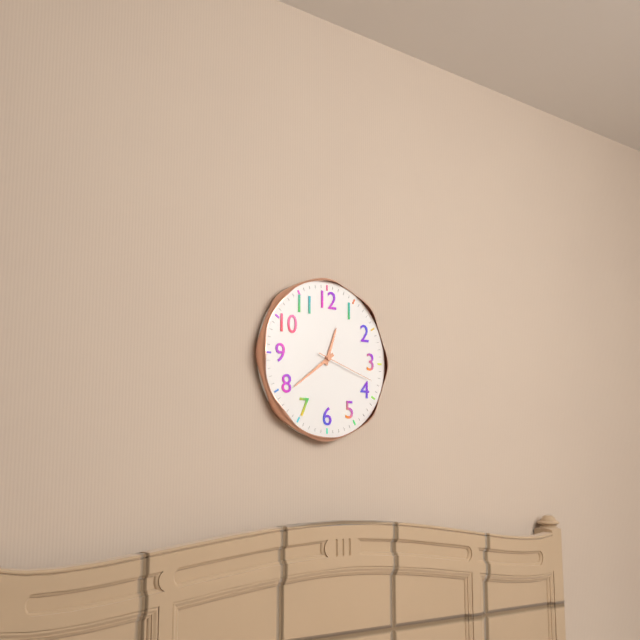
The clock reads 12h39m18s
